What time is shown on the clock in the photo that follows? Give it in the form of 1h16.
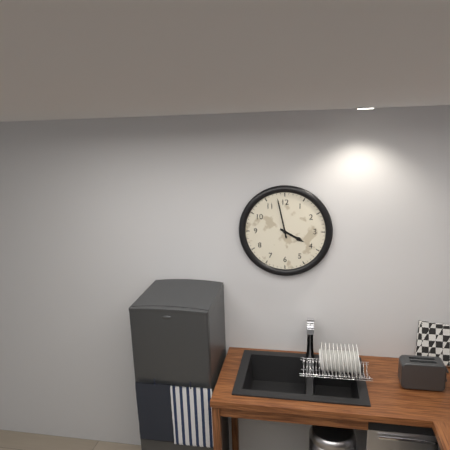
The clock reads 3h58
